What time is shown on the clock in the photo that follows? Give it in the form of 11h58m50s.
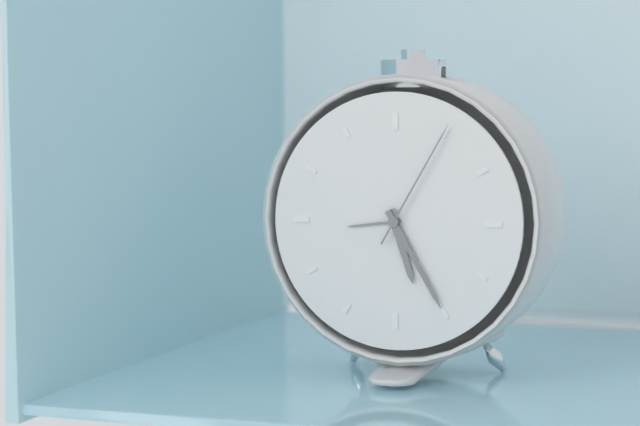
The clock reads 5h25m05s
